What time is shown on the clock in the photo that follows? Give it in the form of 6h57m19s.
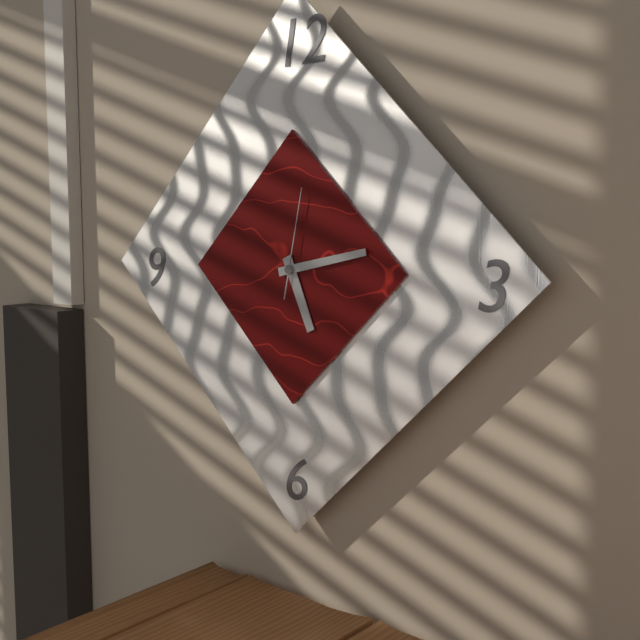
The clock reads 5h13m02s
